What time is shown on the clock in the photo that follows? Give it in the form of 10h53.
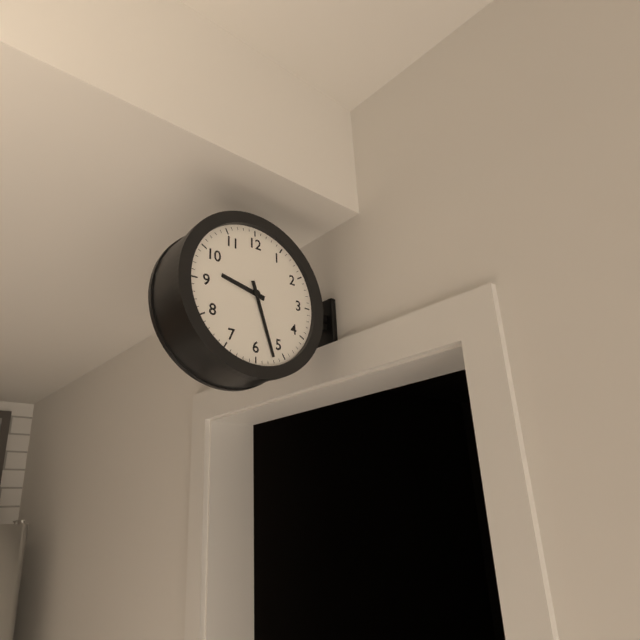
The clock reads 9h27
